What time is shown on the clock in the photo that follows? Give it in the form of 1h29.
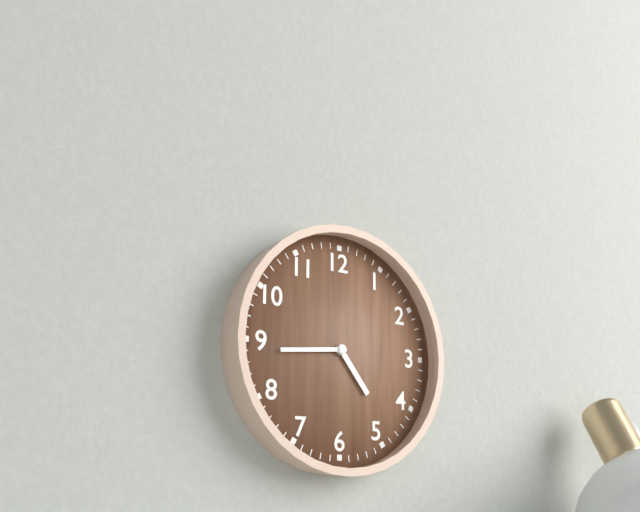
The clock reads 4h44
